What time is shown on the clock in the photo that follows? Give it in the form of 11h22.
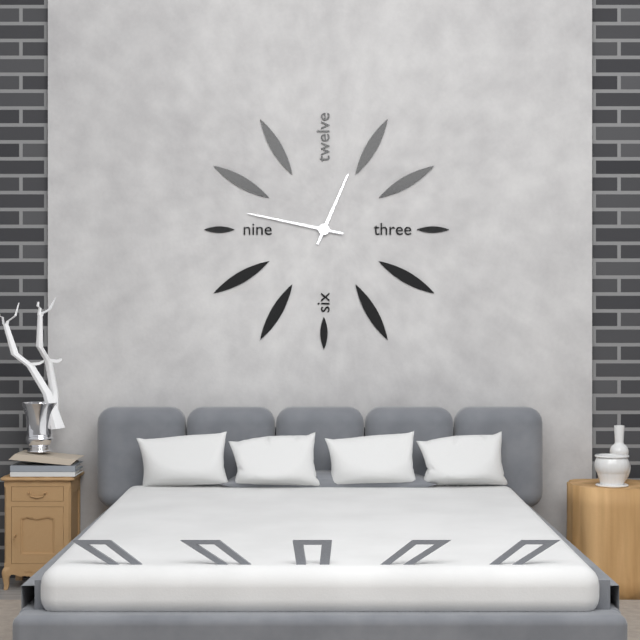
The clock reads 12h47
